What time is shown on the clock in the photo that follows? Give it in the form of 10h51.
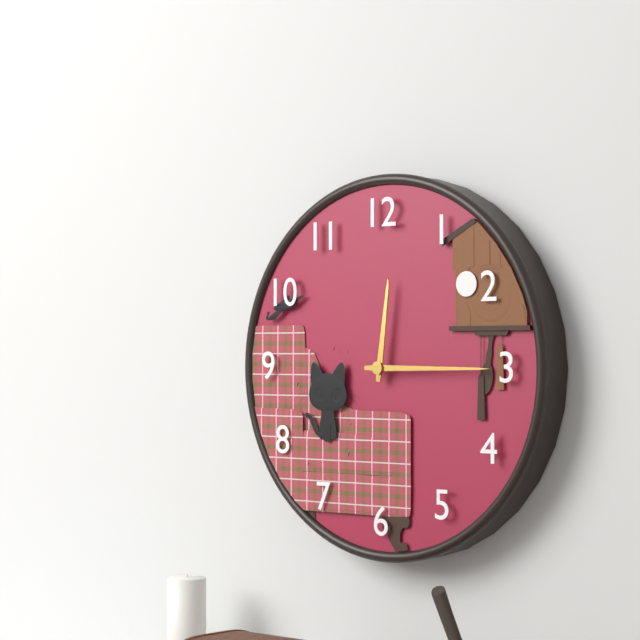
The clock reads 12h15
